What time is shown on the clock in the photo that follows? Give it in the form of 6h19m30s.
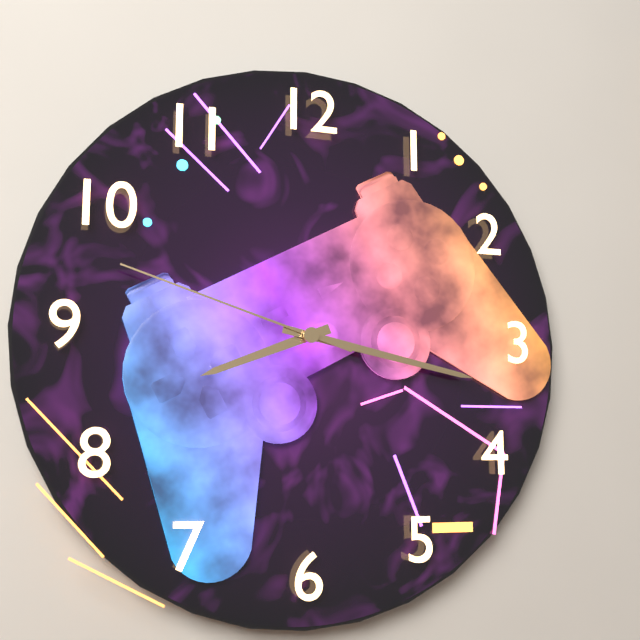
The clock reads 8h17m48s
